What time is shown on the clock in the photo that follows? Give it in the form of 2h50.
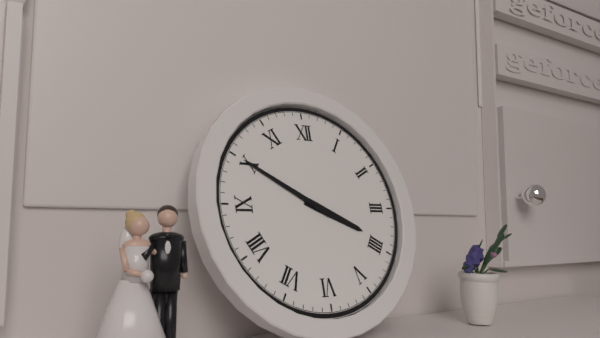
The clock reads 3h50
